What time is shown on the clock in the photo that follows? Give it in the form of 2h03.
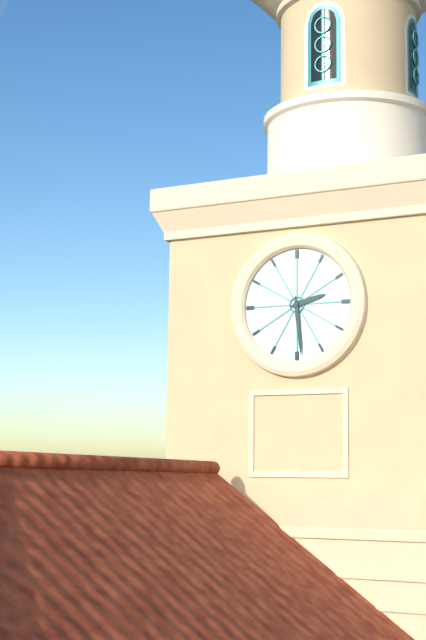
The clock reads 2h29
